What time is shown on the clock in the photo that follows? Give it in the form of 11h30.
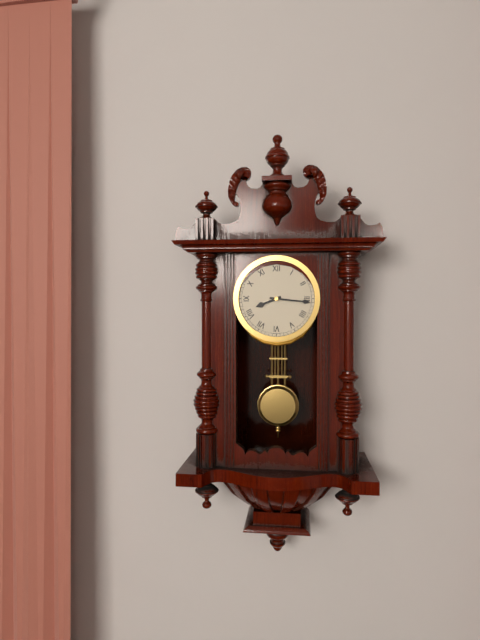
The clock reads 8h16
